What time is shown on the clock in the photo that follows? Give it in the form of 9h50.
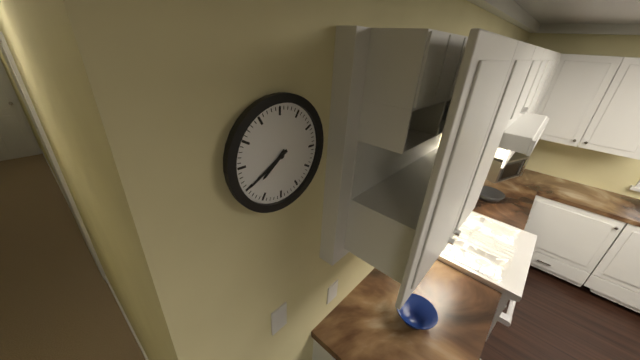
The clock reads 7h40
